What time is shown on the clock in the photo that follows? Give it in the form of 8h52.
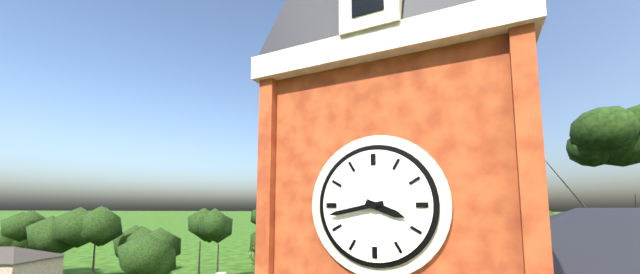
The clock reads 3h43
